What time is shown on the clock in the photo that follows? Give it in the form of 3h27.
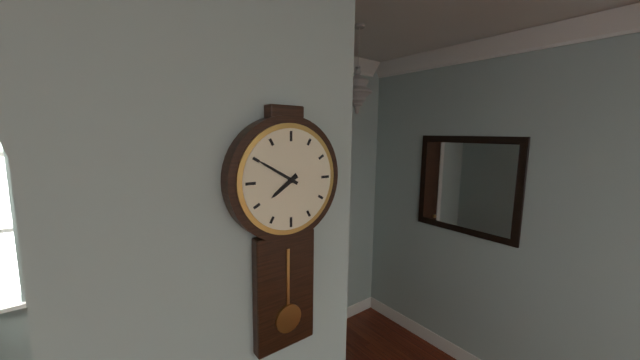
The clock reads 7h50
